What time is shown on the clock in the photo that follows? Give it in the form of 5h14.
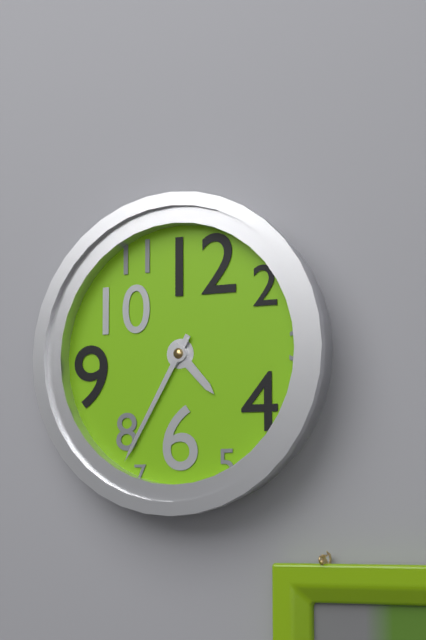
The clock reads 4h35
